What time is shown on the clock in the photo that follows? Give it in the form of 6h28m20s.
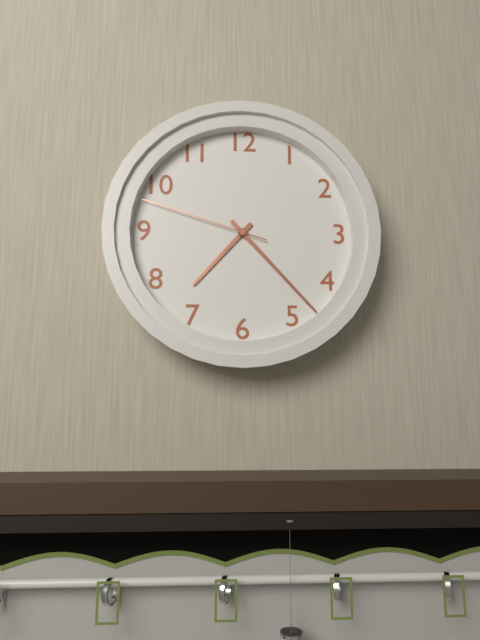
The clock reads 7h23m48s
